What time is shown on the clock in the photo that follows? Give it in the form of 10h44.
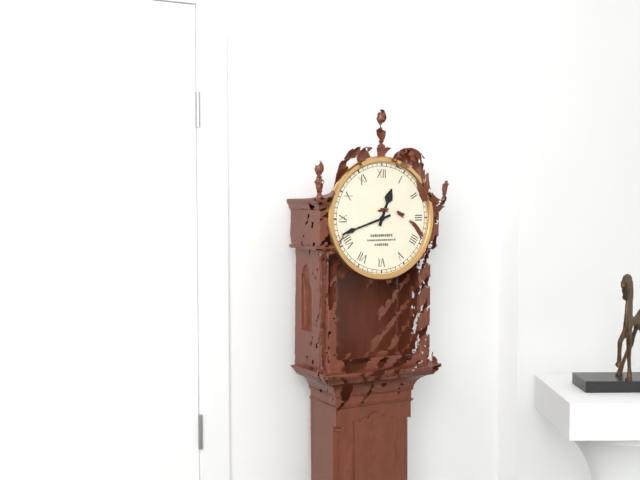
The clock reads 12h42
